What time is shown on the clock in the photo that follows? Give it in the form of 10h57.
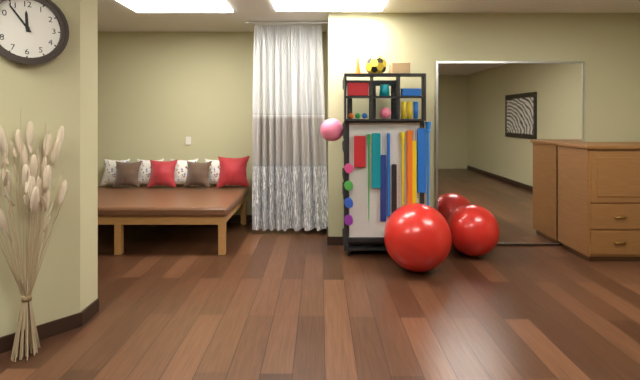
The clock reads 11h54
